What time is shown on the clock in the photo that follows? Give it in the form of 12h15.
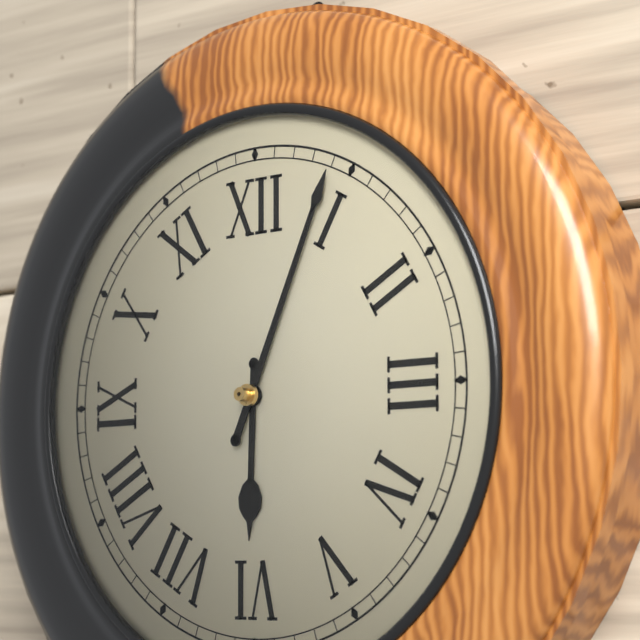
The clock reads 6h04
